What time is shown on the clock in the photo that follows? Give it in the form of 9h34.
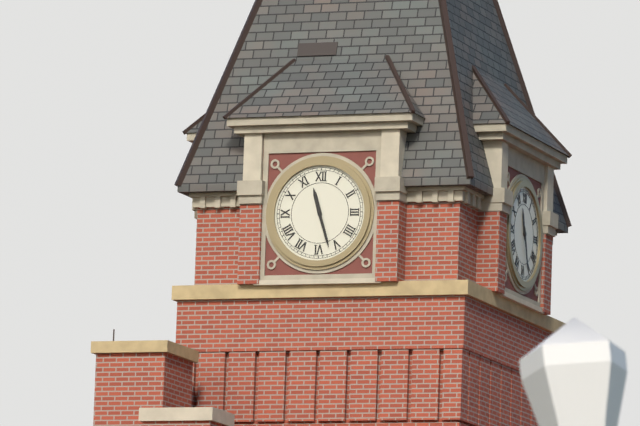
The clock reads 11h27
